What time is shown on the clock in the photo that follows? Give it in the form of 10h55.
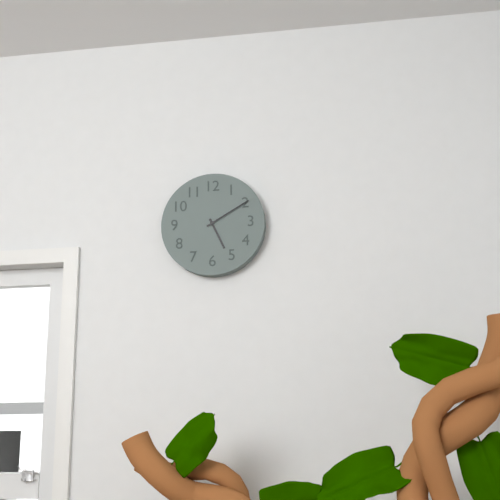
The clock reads 5h10
